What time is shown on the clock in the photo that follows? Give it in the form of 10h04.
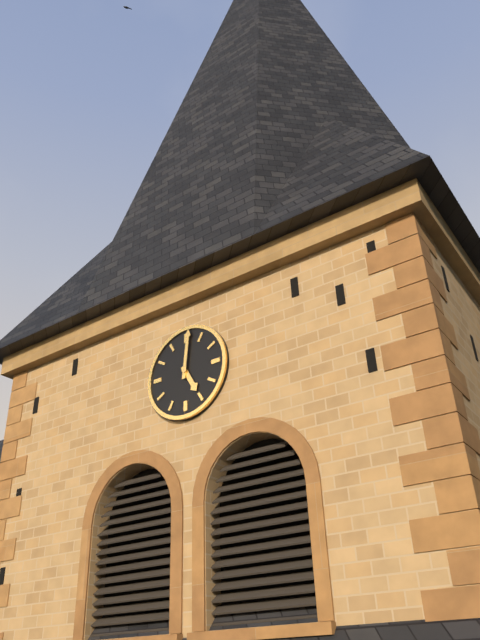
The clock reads 5h01
